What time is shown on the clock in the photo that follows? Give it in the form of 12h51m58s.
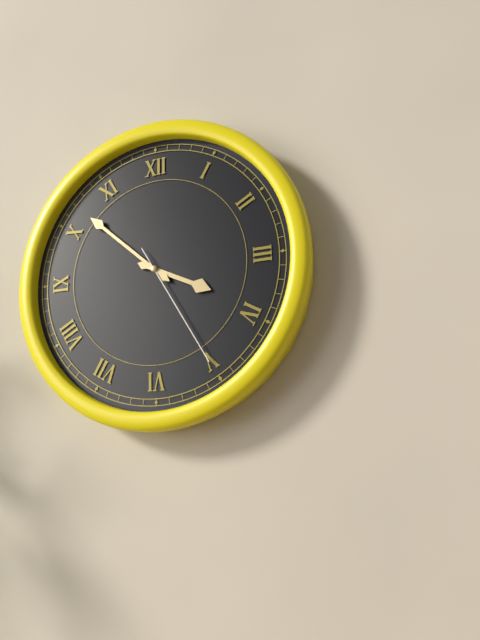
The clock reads 3h52m25s
